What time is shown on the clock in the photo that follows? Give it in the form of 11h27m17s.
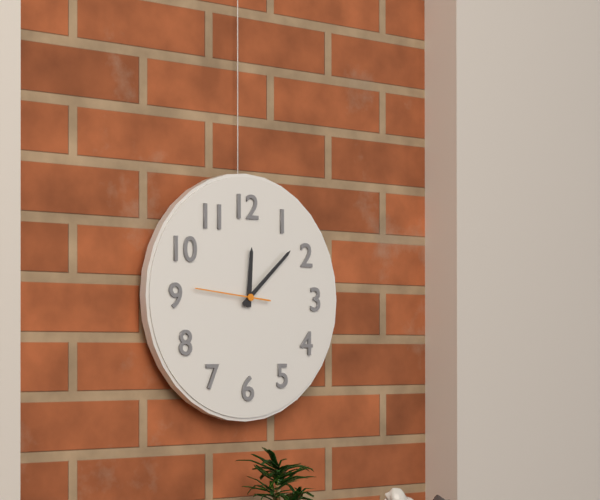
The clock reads 12h08m46s
